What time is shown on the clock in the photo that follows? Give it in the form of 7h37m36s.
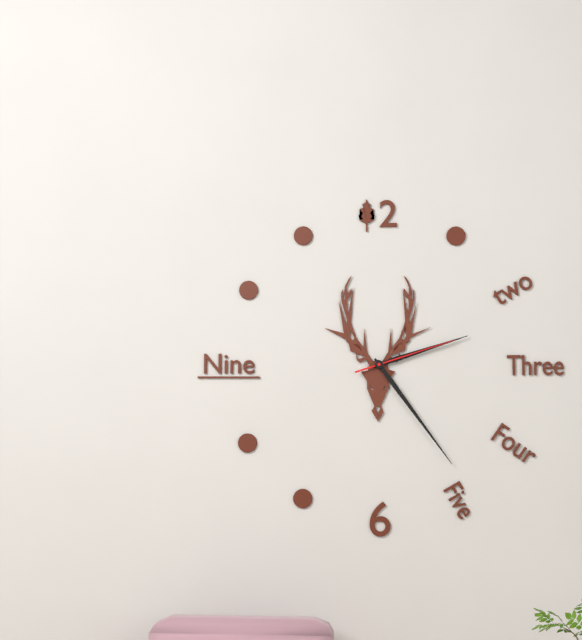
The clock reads 2h24m12s
